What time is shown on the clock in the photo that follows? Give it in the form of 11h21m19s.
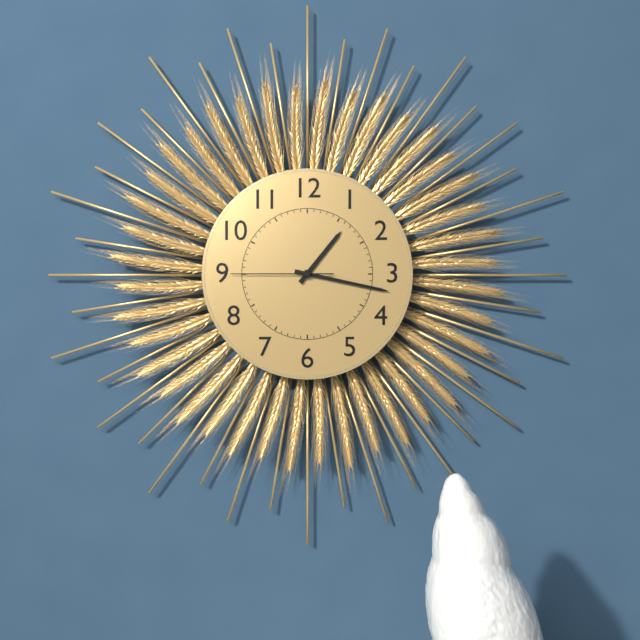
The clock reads 1h17m45s
